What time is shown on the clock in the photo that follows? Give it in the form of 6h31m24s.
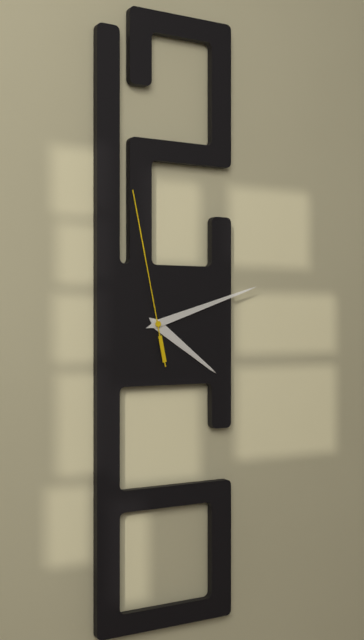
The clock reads 4h12m58s
